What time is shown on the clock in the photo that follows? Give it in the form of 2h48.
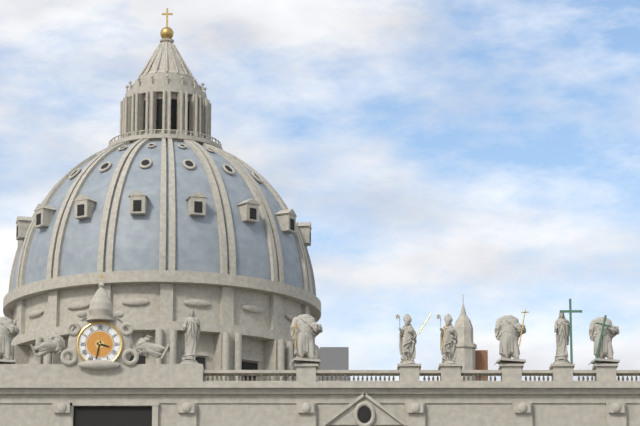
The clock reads 3h32
